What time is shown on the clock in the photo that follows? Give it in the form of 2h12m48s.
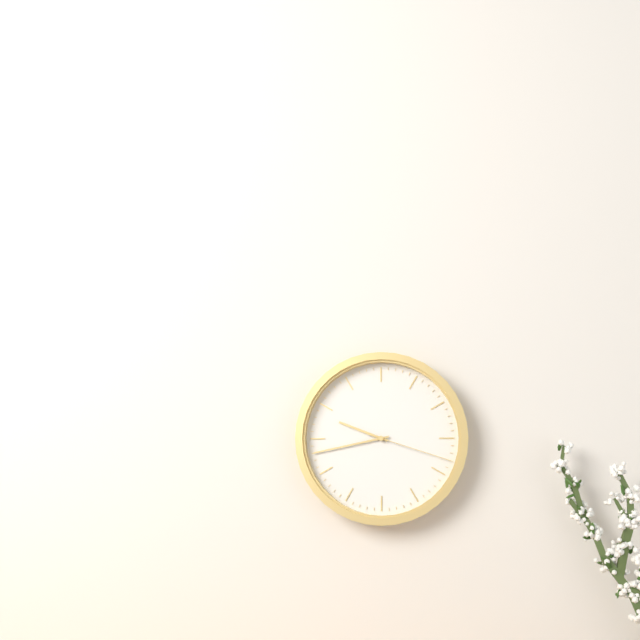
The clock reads 9h43m18s
